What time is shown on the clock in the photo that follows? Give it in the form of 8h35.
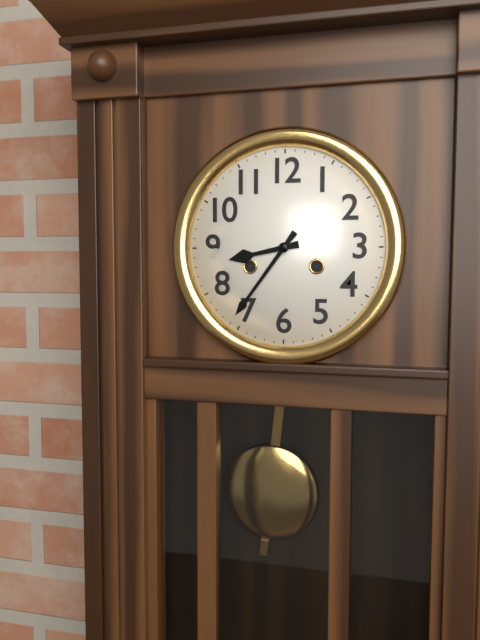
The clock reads 8h36
